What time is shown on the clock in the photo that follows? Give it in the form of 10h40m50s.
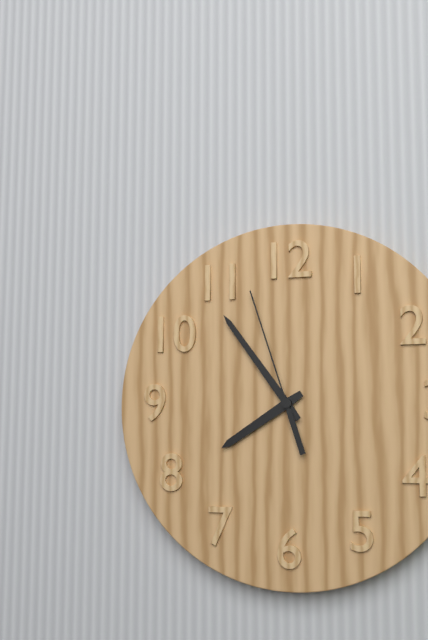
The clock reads 7h54m57s
